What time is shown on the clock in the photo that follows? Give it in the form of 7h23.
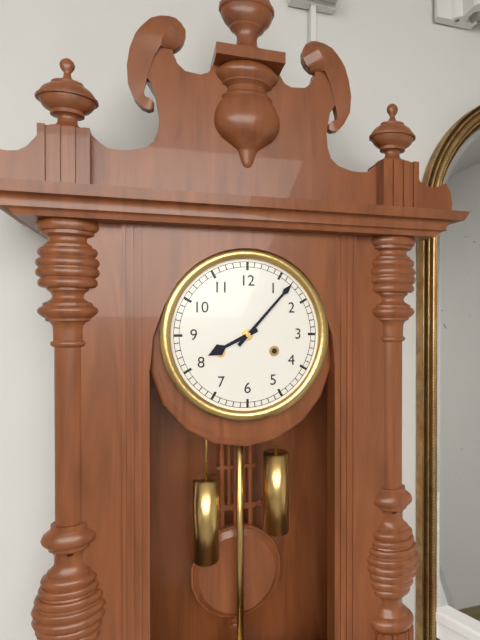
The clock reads 8h07
